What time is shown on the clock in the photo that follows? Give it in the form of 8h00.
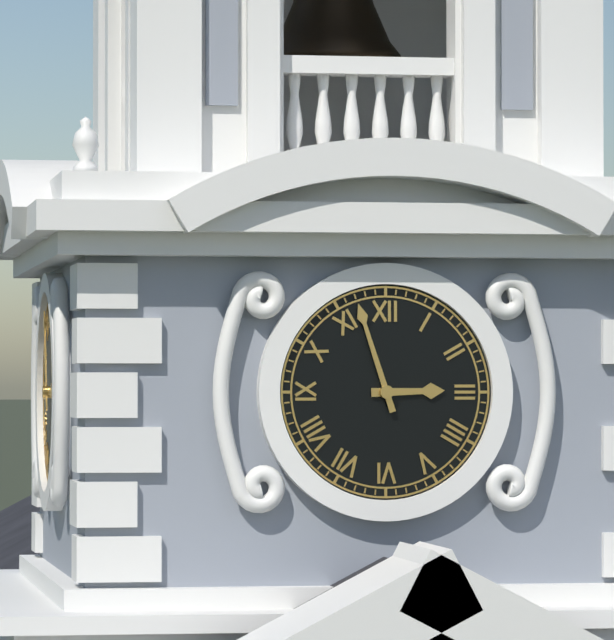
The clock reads 2h57
